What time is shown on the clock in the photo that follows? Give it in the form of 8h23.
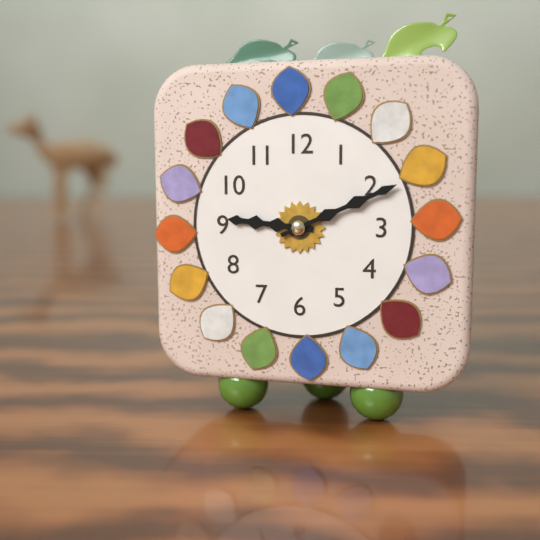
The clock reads 9h11
